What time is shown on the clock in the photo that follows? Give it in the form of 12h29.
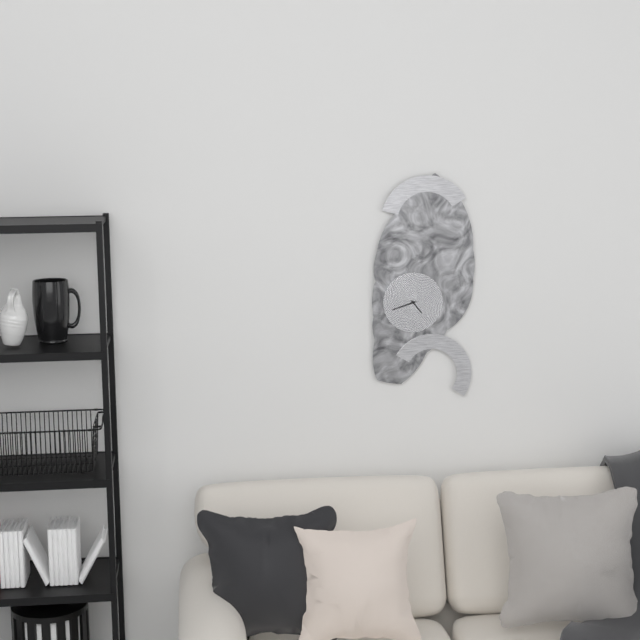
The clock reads 4h42
